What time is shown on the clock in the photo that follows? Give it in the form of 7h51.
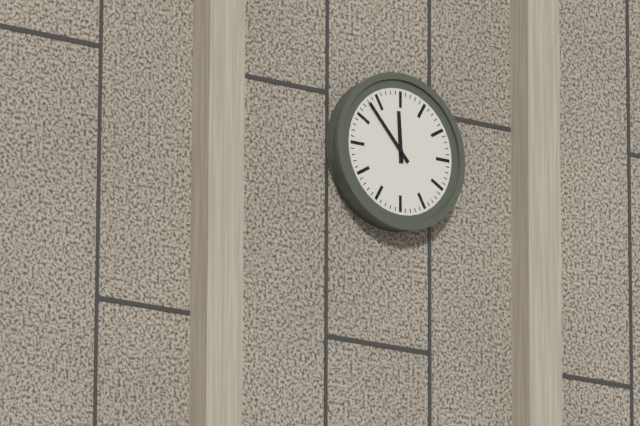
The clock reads 11h53
